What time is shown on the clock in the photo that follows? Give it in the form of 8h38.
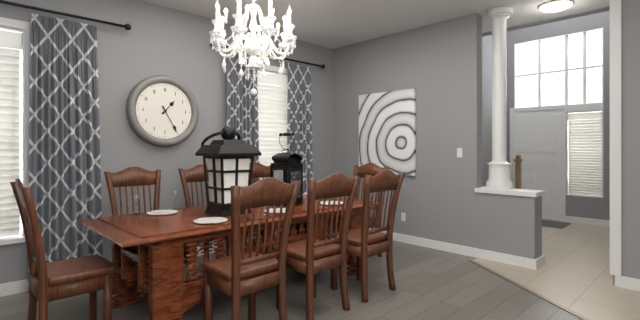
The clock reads 1h25
